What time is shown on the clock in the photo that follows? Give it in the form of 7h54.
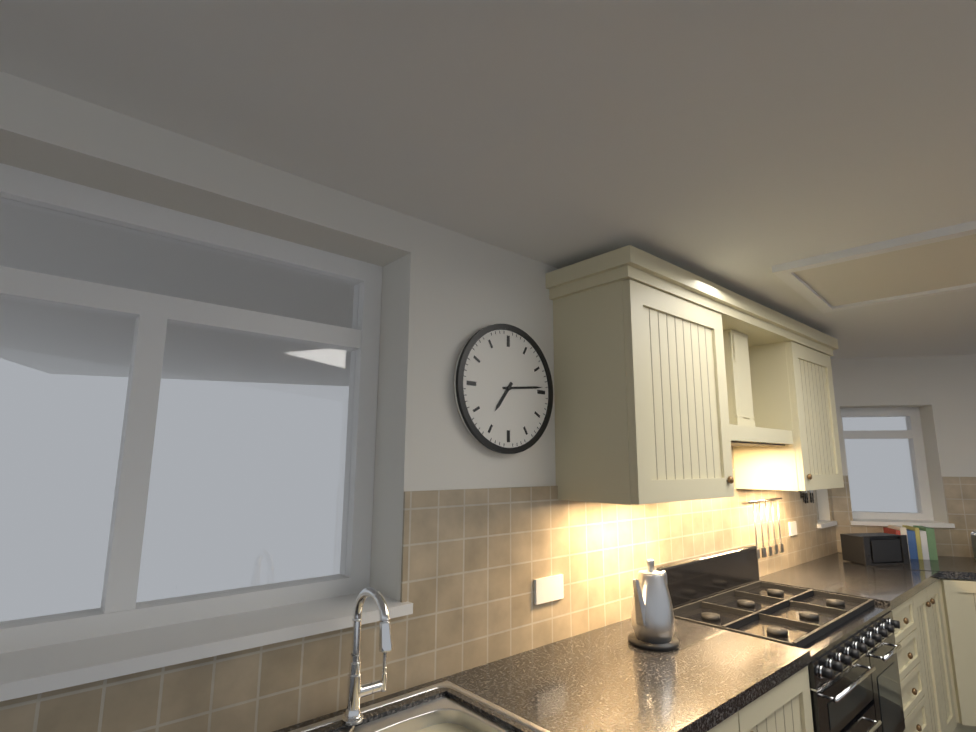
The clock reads 7h14
